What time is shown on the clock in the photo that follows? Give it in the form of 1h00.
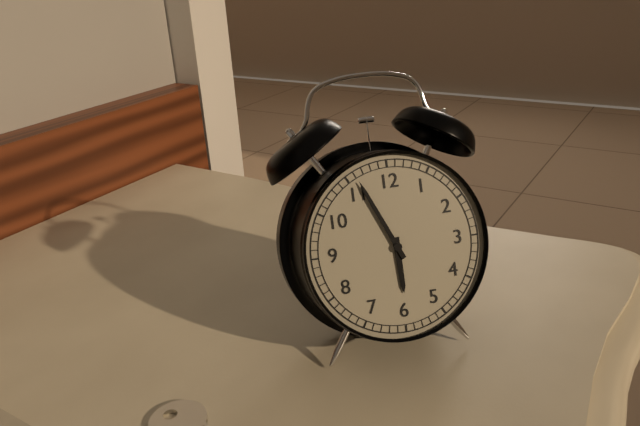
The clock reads 5h56
